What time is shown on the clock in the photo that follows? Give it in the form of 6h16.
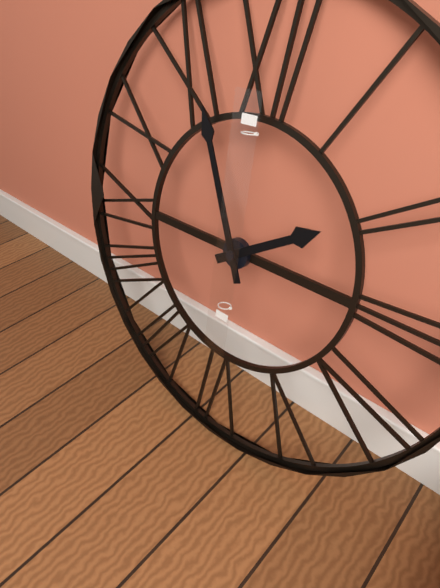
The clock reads 1h56
